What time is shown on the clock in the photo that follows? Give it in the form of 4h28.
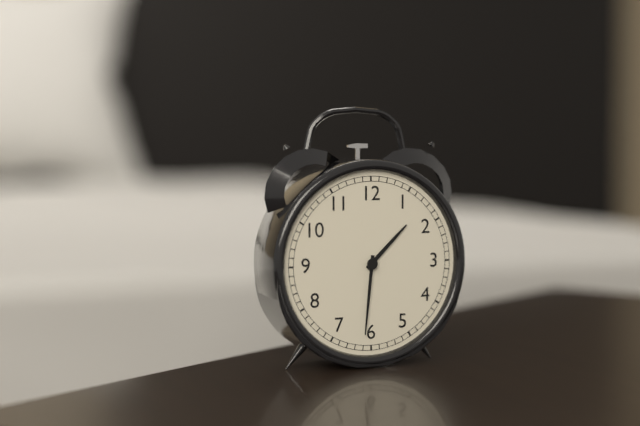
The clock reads 1h31
